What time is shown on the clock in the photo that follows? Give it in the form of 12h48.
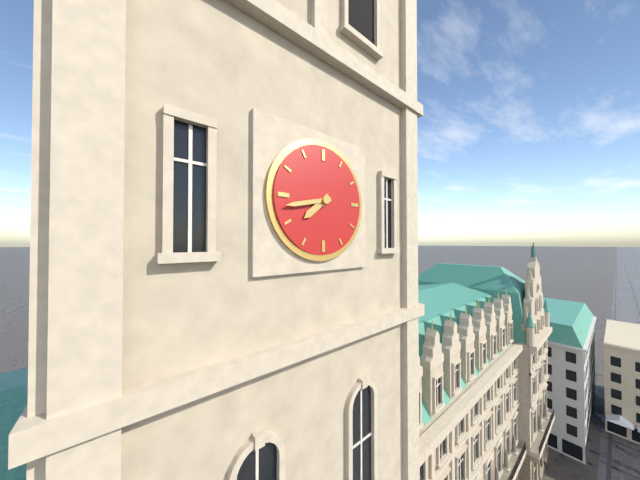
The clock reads 7h43
